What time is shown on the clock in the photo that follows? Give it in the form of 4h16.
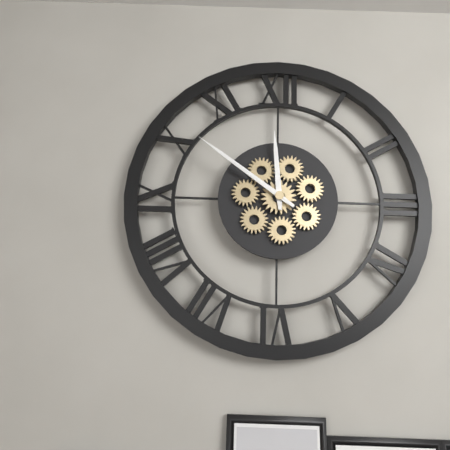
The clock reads 11h51
